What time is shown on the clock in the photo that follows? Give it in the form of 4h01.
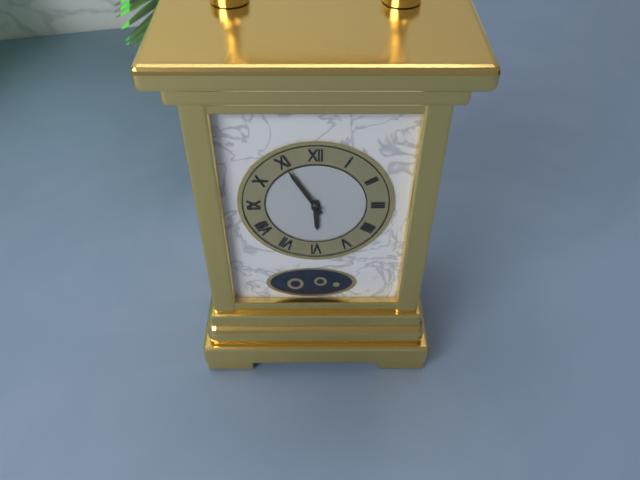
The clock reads 5h55
